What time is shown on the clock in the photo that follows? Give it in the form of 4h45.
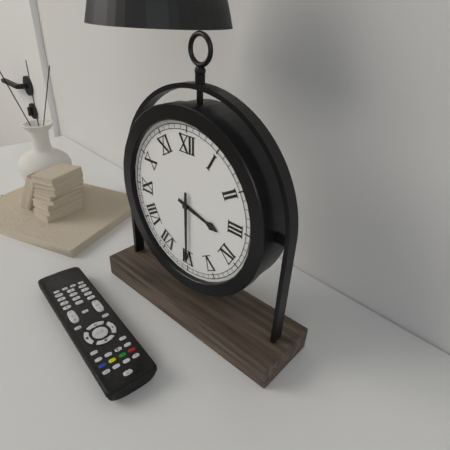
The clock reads 3h30
